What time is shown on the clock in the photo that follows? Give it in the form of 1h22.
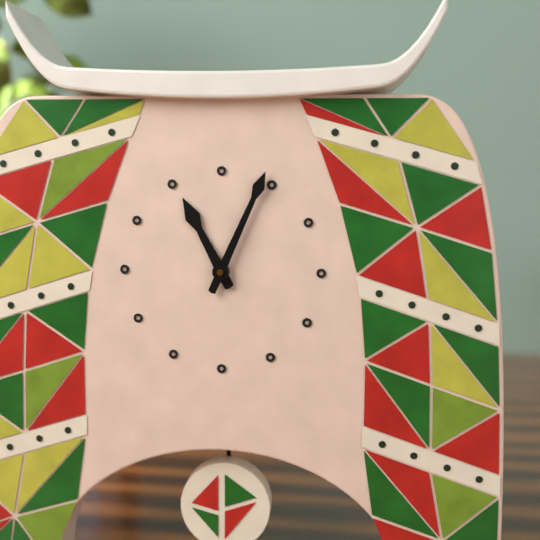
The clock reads 11h04
